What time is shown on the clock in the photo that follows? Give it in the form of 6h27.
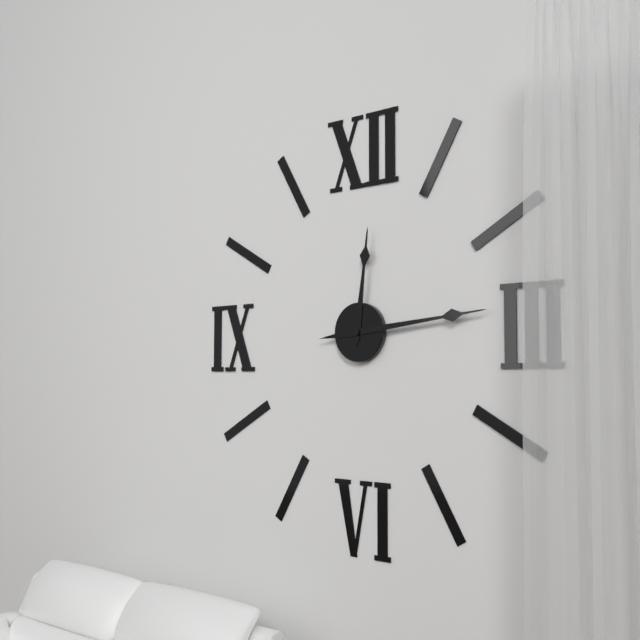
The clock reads 12h14
